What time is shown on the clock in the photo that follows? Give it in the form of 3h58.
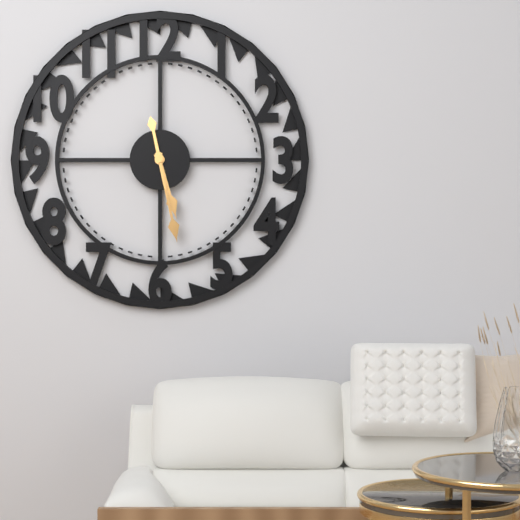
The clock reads 5h28
